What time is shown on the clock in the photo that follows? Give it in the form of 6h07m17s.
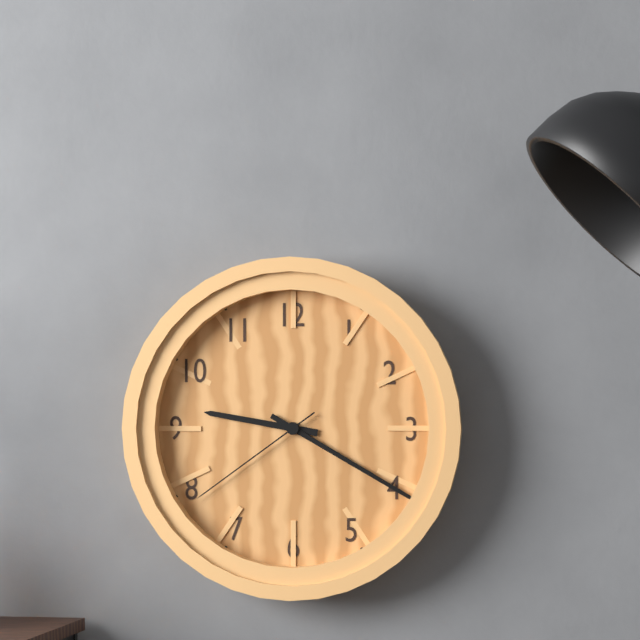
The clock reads 9h20m39s
